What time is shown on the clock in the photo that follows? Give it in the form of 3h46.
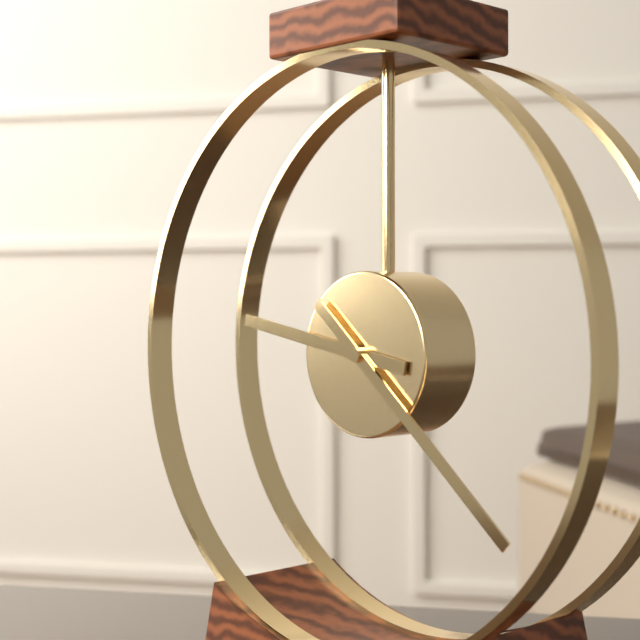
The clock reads 9h22
